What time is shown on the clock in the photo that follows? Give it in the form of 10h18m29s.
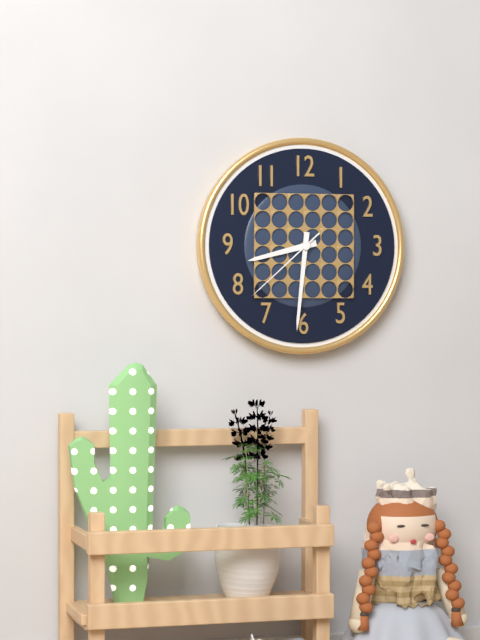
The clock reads 8h31m38s
